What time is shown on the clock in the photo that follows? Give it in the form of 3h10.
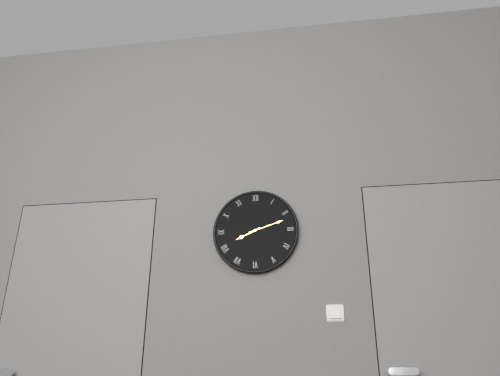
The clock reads 8h12
